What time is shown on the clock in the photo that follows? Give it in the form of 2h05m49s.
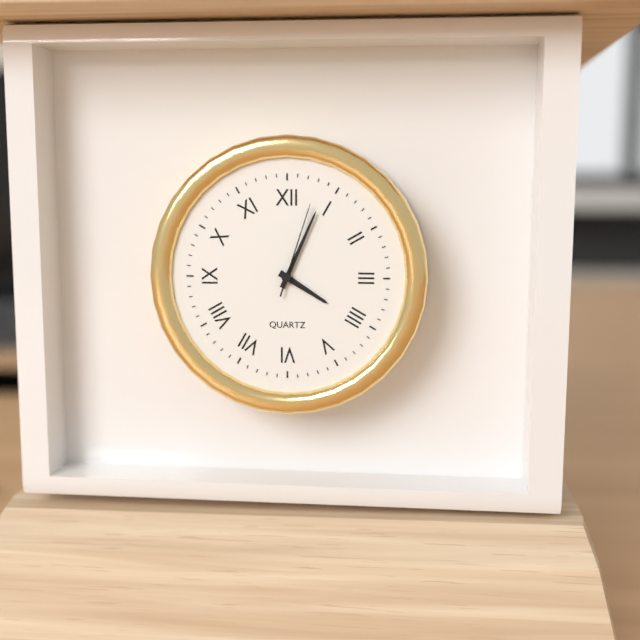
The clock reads 4h04m03s
